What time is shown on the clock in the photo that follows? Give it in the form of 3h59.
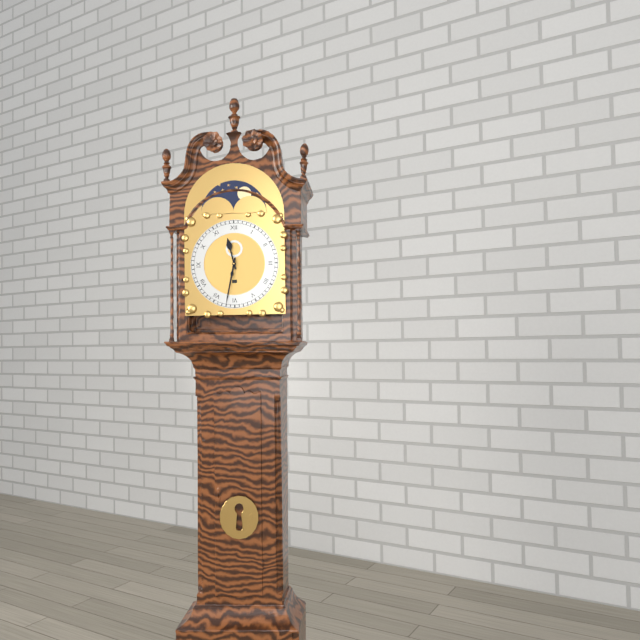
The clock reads 11h32
